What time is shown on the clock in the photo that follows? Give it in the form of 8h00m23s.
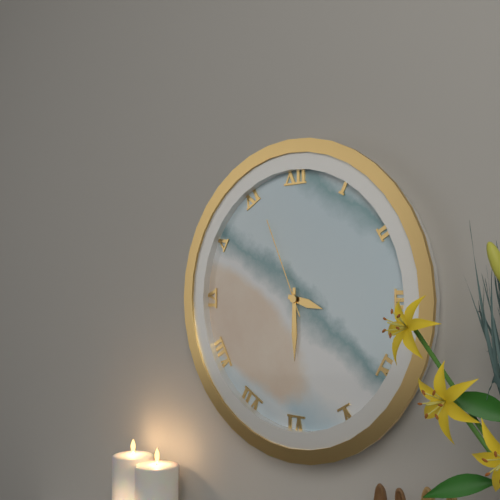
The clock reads 3h30m56s
